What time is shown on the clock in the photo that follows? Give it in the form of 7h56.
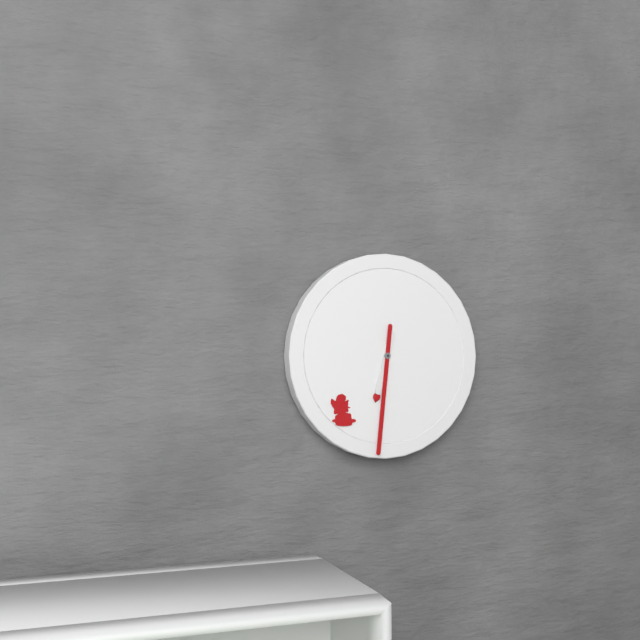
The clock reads 6h31
